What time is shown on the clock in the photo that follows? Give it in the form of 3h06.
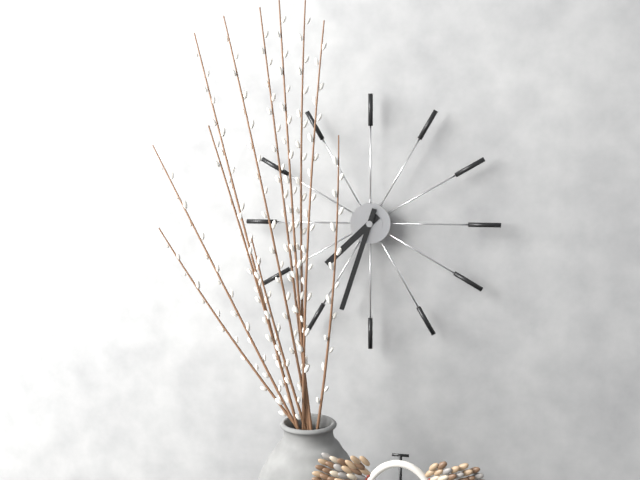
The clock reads 7h33
